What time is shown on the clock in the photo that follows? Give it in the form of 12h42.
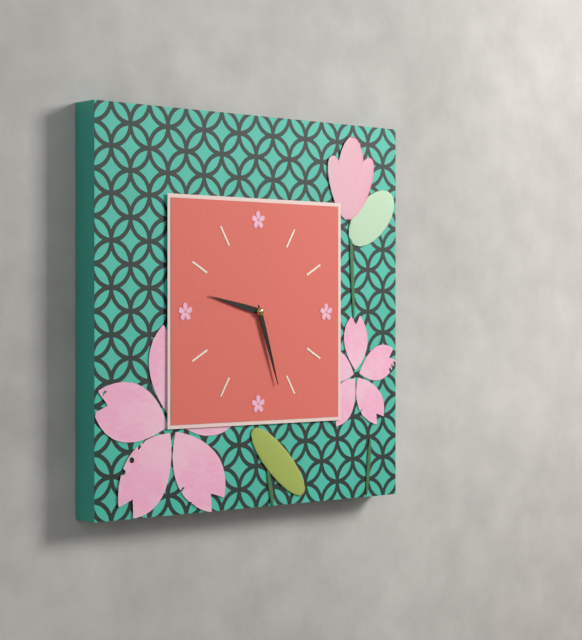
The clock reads 9h27
